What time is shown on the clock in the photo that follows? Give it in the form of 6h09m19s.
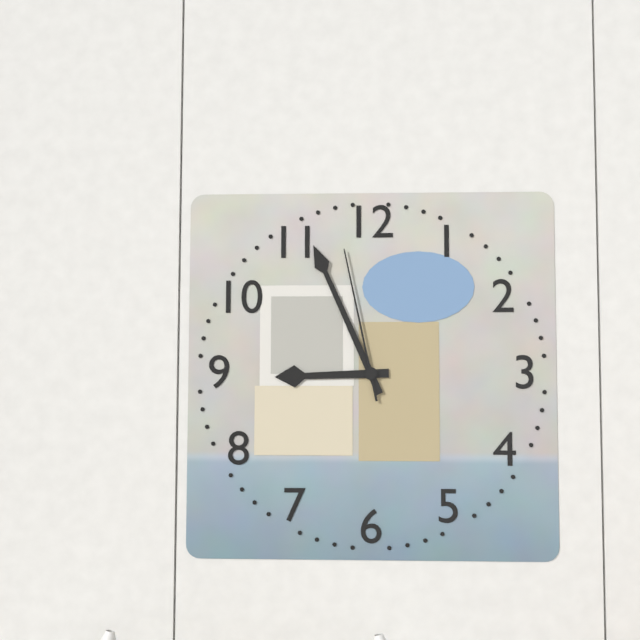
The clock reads 8h56m58s
